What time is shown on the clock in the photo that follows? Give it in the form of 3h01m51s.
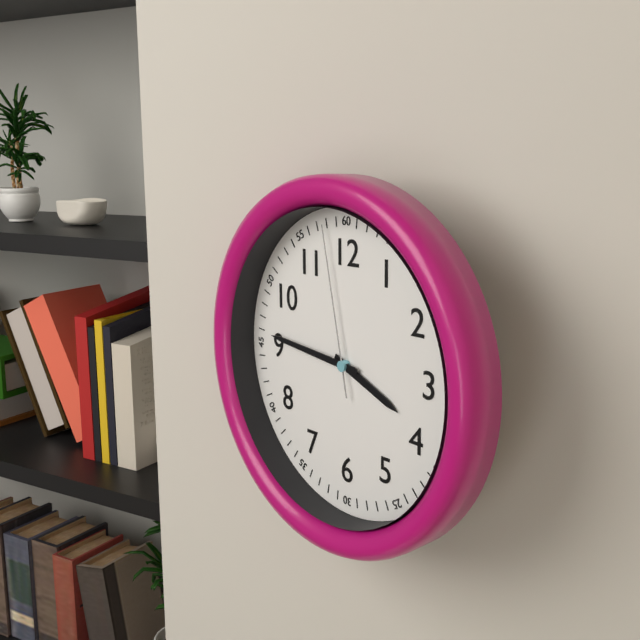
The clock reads 3h46m58s
